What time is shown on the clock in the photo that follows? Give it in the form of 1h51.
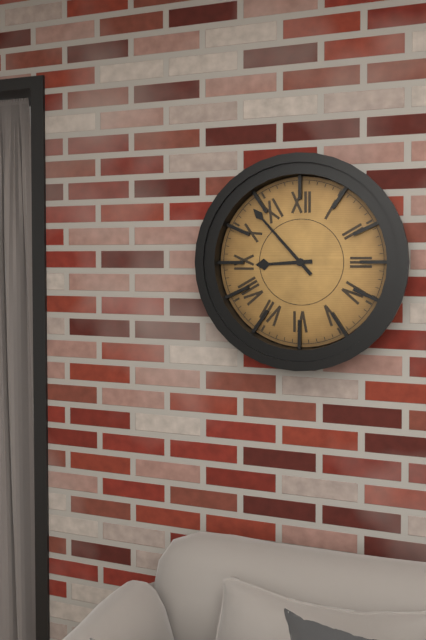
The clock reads 8h53
